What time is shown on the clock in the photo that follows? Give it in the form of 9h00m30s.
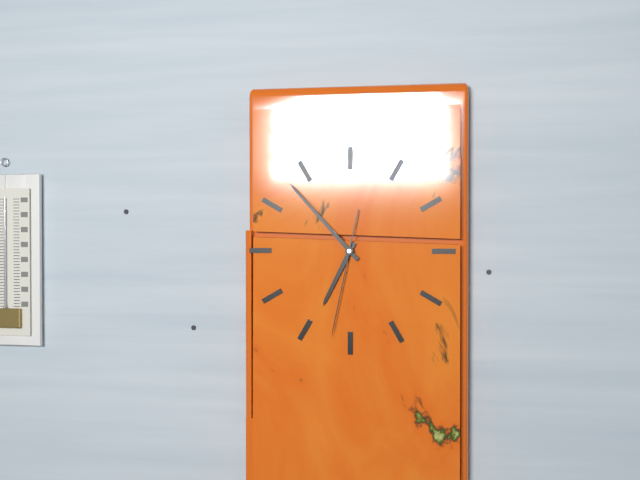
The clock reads 6h53m32s
